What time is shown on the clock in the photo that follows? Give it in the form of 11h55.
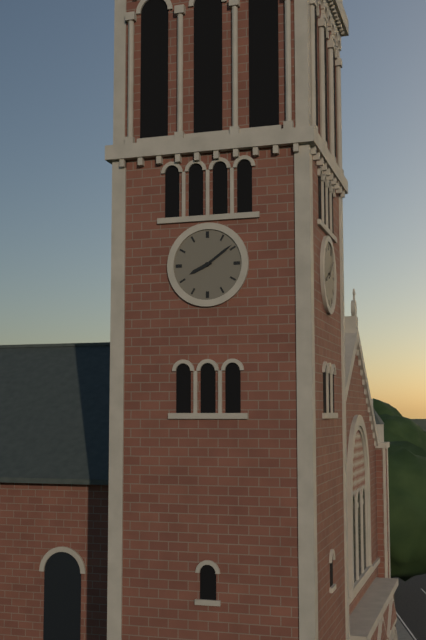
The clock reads 8h09
